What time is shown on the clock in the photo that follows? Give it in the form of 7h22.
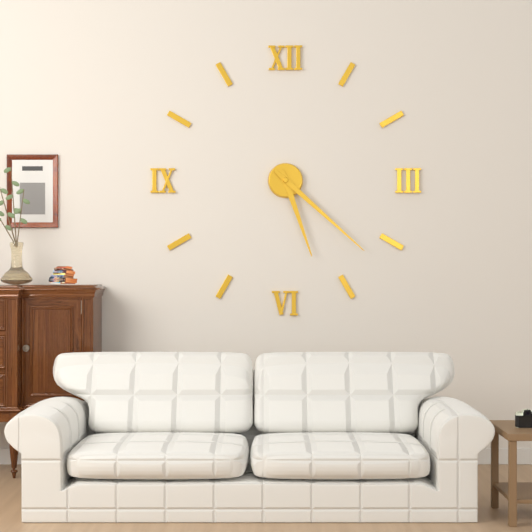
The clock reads 5h22
